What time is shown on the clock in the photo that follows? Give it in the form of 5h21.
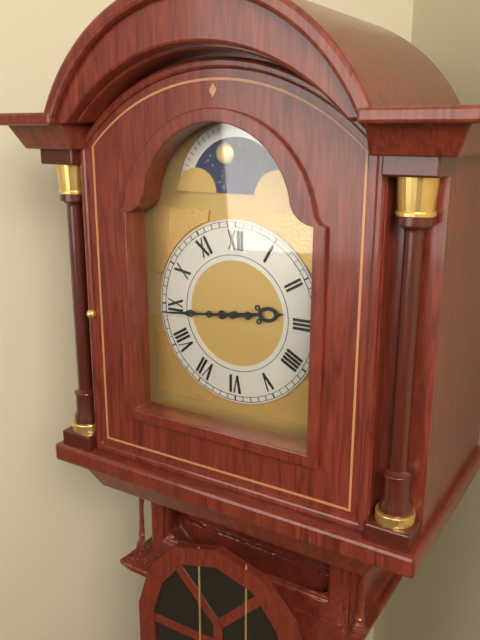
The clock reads 2h44
